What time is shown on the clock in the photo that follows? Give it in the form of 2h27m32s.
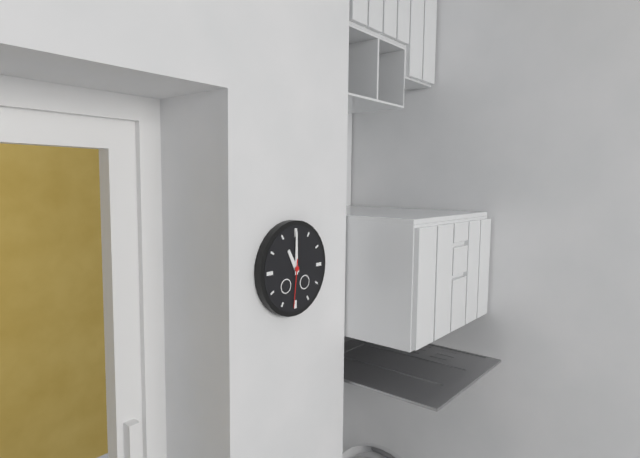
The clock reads 11h00m31s
